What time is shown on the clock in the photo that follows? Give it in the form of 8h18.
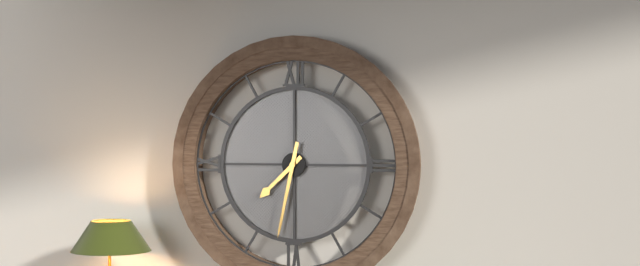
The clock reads 7h32
